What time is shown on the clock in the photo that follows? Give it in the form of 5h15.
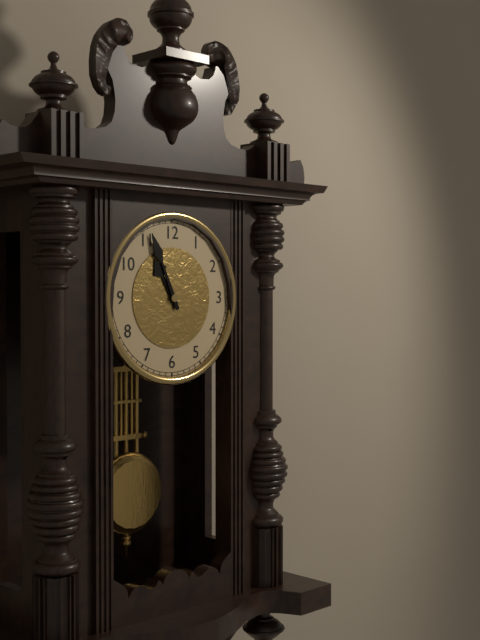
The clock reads 10h56
